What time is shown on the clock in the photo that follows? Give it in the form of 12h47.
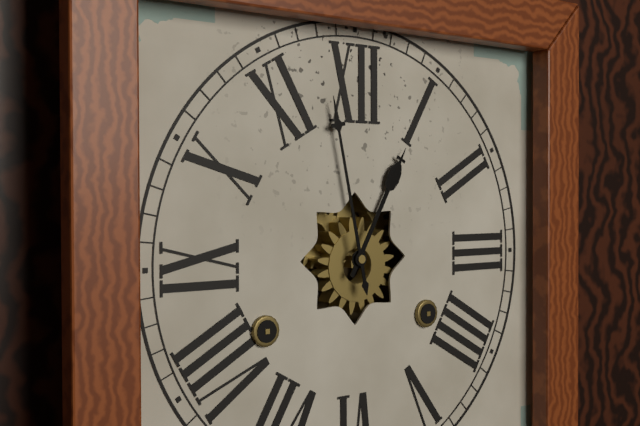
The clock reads 12h58
